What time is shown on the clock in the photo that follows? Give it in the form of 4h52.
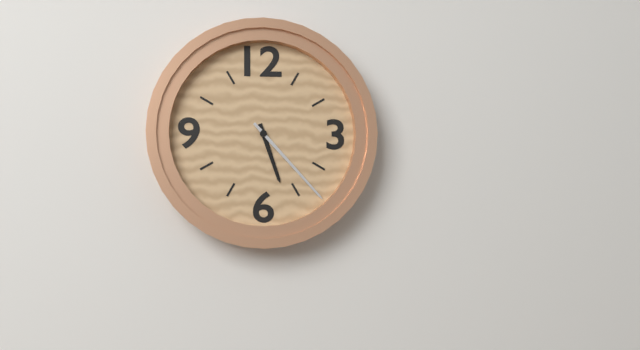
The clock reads 5h23
